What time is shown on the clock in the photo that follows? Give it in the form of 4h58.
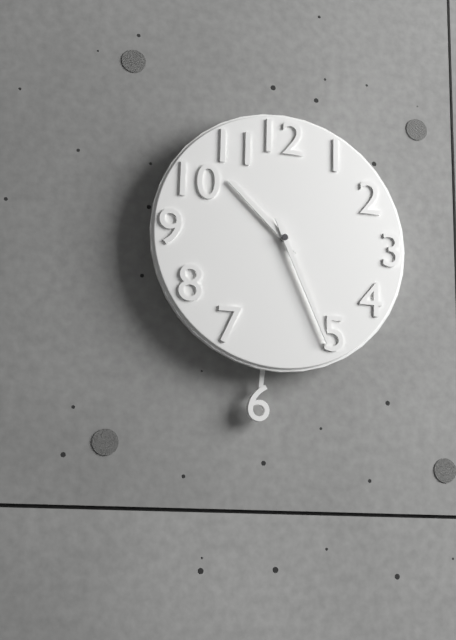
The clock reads 10h26
